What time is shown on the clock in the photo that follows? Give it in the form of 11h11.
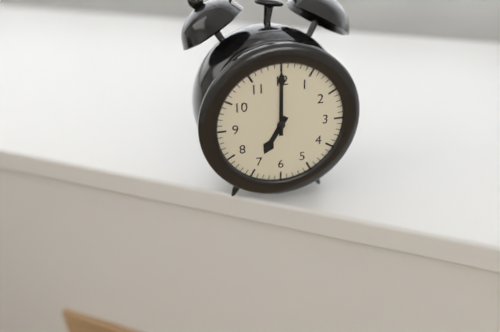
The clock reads 7h00
